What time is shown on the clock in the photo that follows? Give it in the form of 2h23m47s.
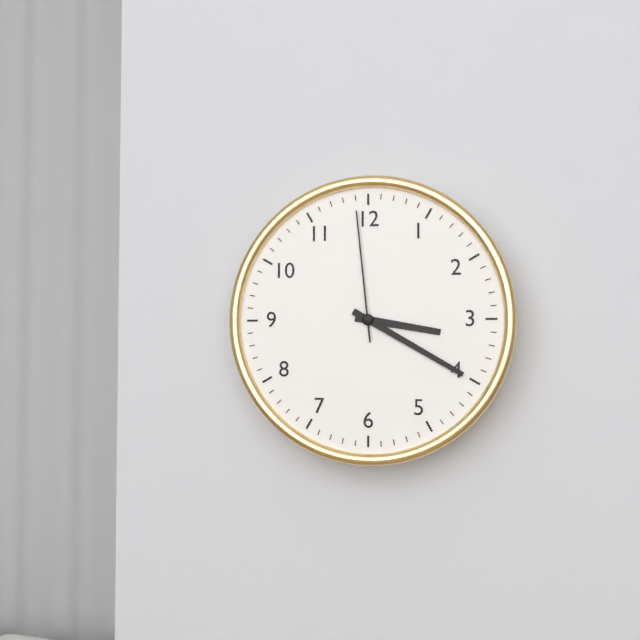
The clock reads 3h20m59s
